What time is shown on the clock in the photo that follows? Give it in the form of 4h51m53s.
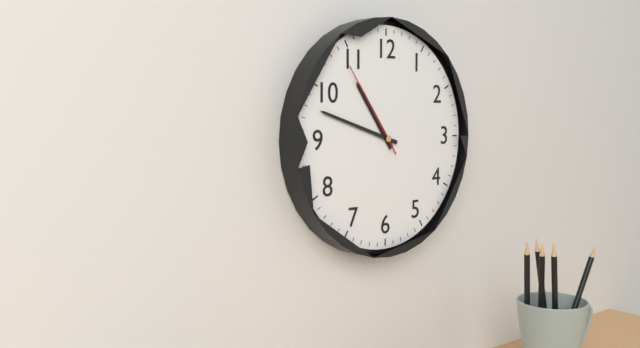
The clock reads 10h48m54s
